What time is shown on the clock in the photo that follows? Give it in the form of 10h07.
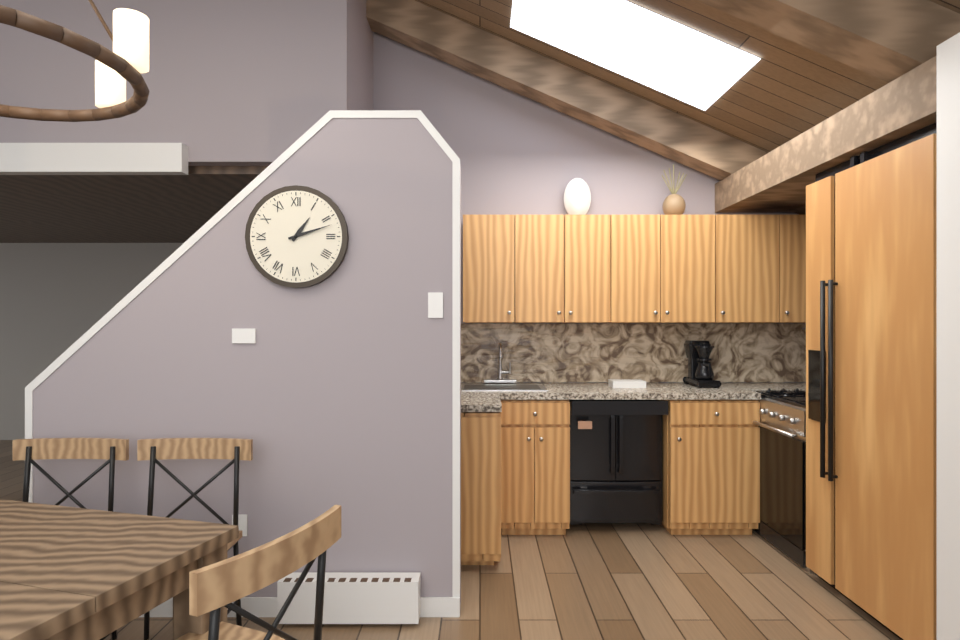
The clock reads 1h12
